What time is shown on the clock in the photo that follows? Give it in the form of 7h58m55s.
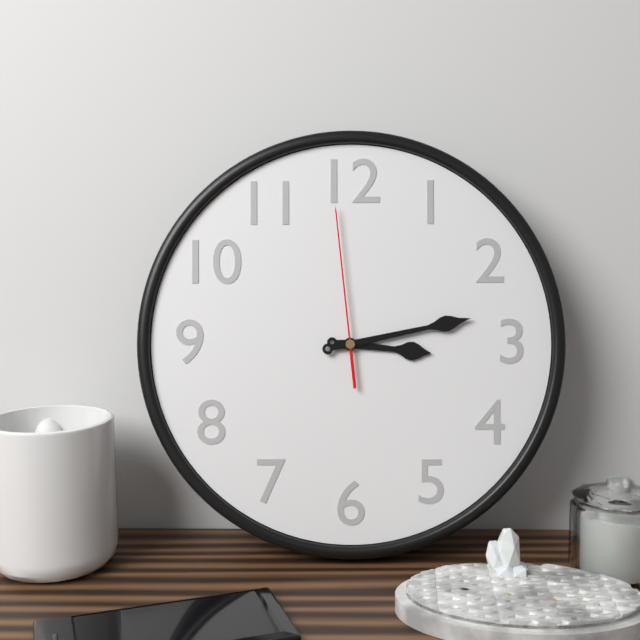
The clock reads 3h13m59s
